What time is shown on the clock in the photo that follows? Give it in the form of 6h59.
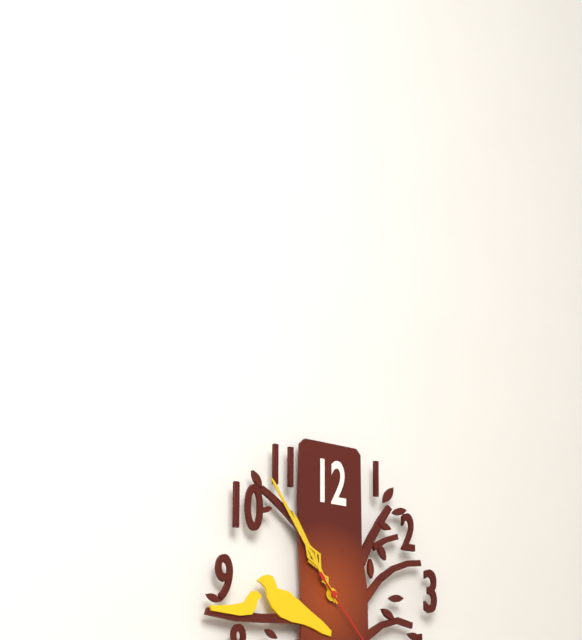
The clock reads 10h54
